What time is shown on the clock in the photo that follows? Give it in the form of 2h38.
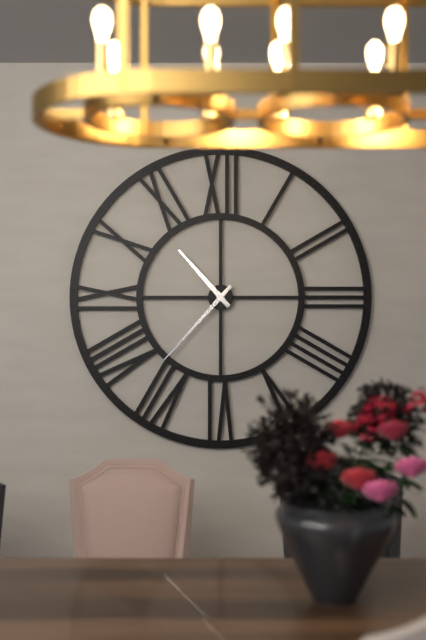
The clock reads 10h37
